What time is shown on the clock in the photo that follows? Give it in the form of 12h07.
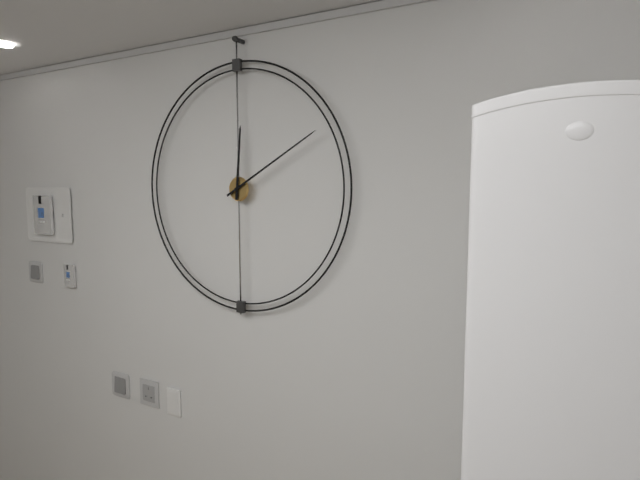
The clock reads 12h10
